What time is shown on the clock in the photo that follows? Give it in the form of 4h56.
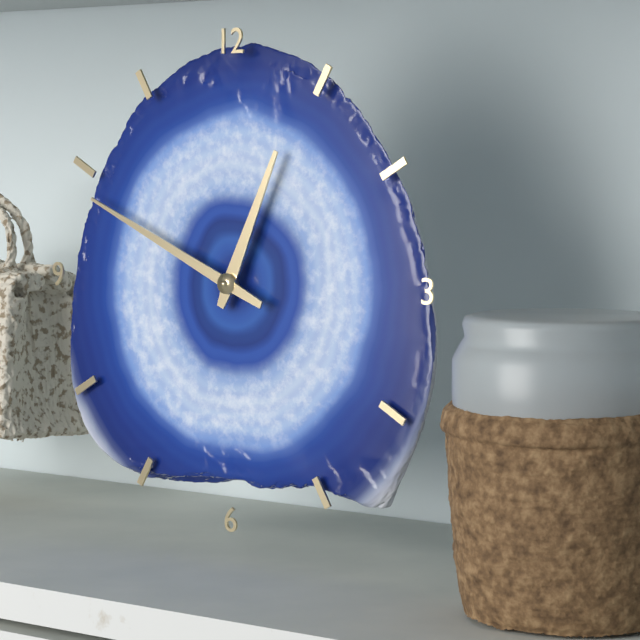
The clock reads 12h49
